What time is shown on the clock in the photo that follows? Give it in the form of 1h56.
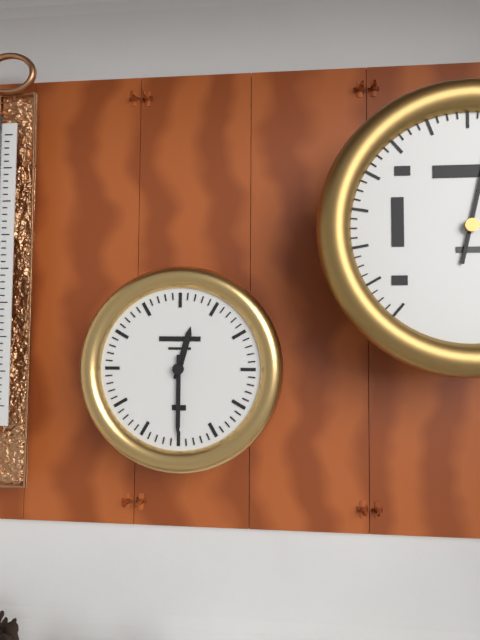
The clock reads 12h30
